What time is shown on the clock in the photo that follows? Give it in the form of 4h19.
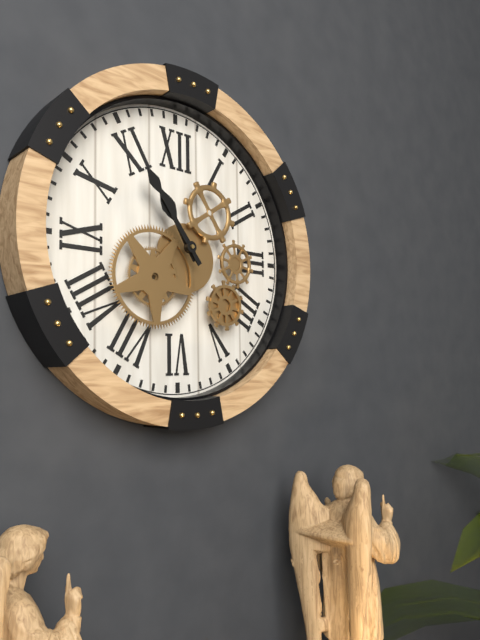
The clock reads 10h54
